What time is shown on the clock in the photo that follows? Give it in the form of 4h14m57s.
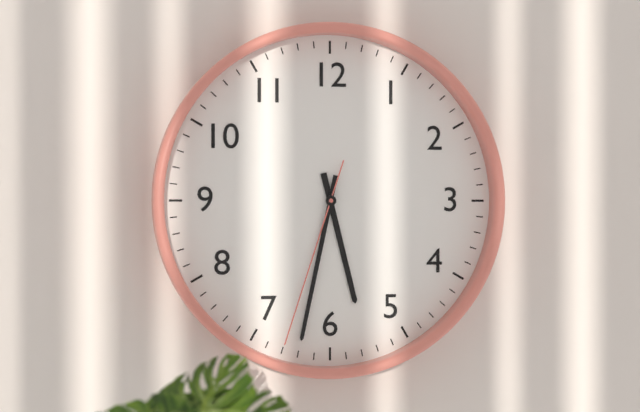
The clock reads 5h32m33s
